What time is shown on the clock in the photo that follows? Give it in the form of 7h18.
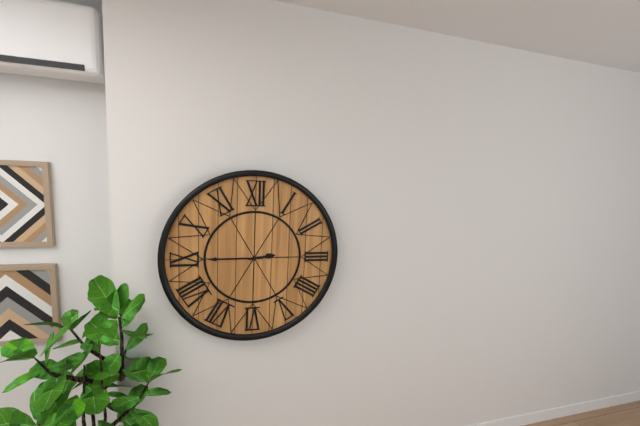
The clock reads 2h45
